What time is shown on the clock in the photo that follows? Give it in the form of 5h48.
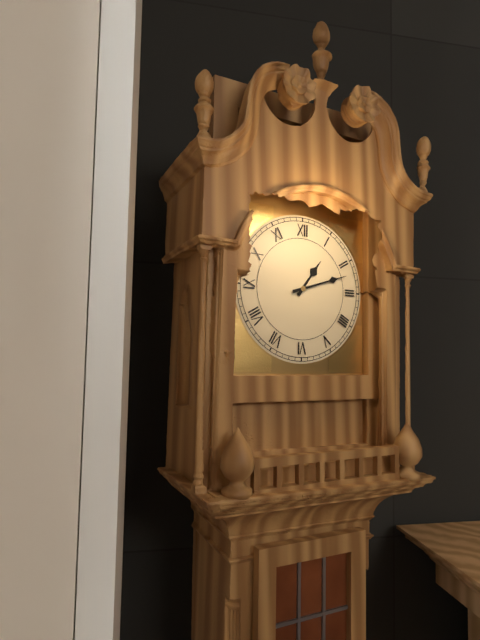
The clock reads 1h12
